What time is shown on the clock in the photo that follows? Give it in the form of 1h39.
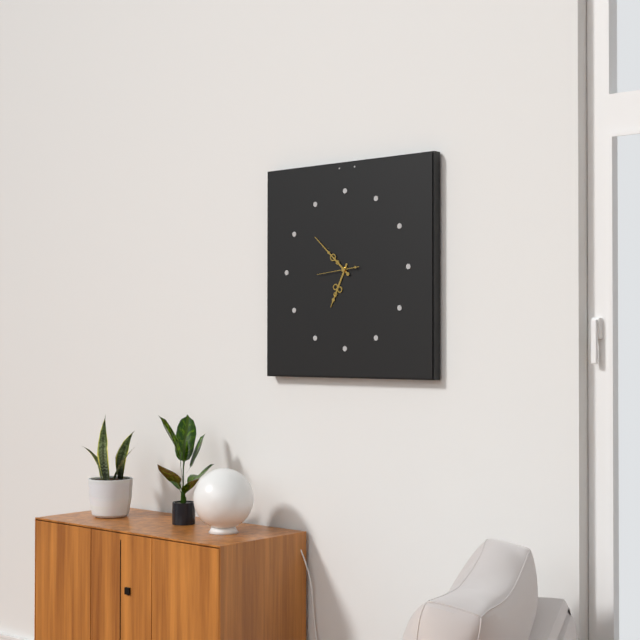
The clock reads 6h52
